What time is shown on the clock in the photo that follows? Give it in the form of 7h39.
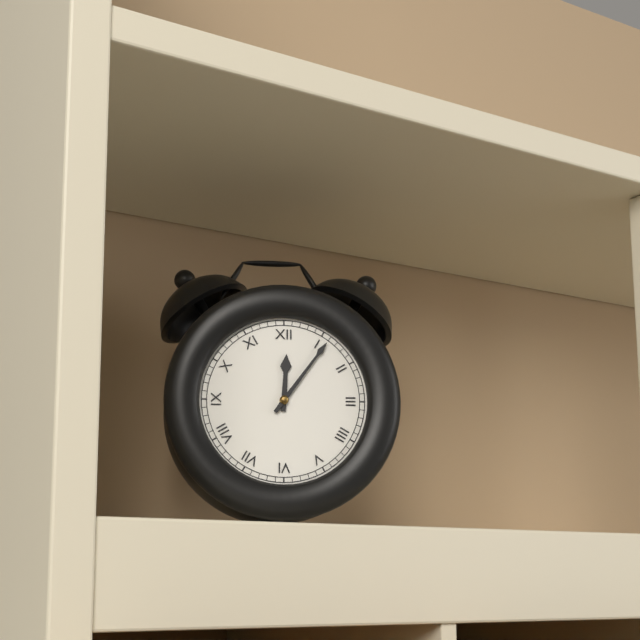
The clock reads 12h06
